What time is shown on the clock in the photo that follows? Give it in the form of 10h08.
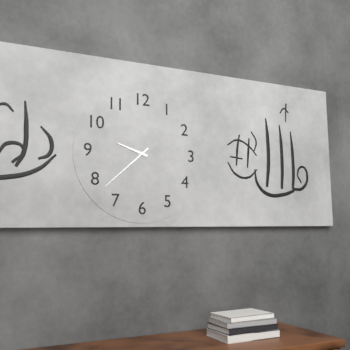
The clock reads 9h38
